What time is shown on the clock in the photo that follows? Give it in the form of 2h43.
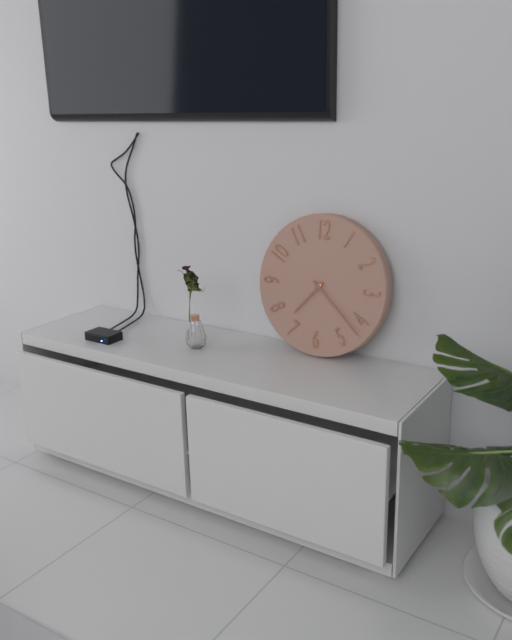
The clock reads 7h22
